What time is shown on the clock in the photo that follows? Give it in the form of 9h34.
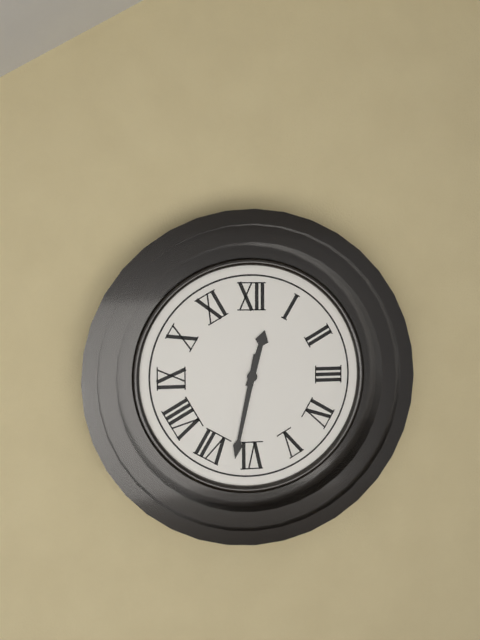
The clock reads 12h32
